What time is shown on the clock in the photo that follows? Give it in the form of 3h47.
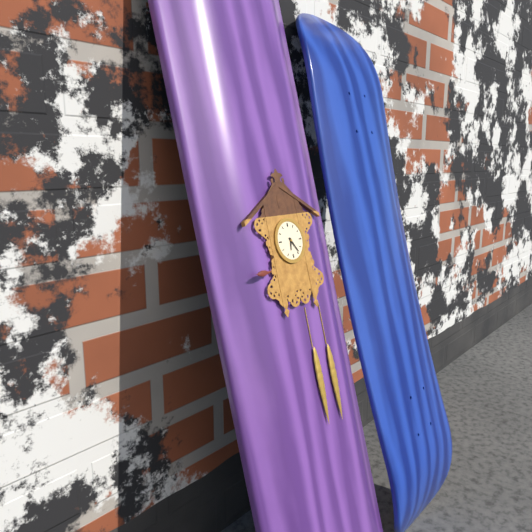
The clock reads 6h24
